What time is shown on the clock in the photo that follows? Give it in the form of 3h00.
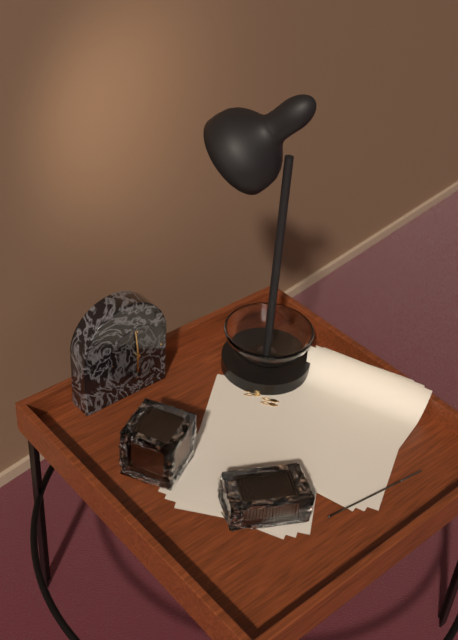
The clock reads 5h59
